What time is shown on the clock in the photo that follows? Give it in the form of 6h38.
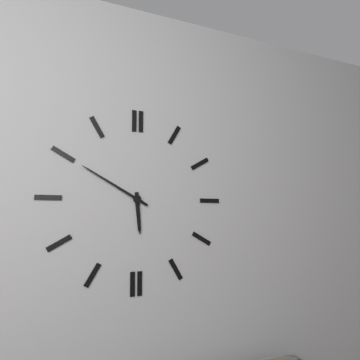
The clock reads 5h50
